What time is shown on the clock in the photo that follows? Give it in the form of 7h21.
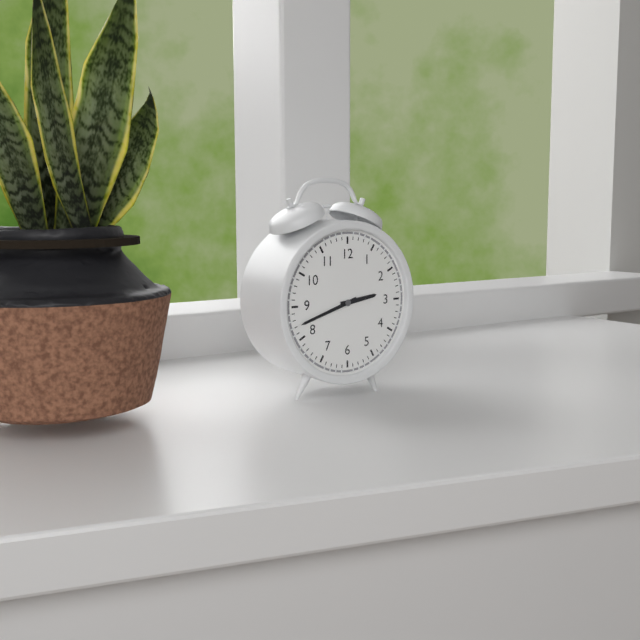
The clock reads 2h42
